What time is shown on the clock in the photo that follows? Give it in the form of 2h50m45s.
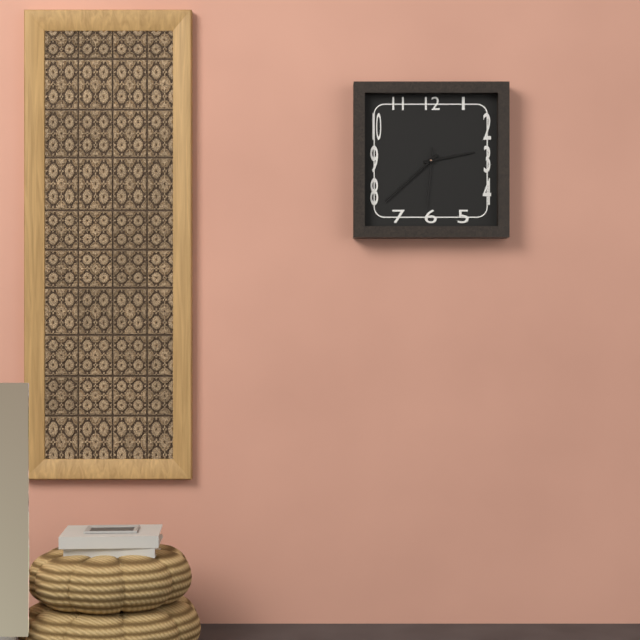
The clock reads 2h38m31s
